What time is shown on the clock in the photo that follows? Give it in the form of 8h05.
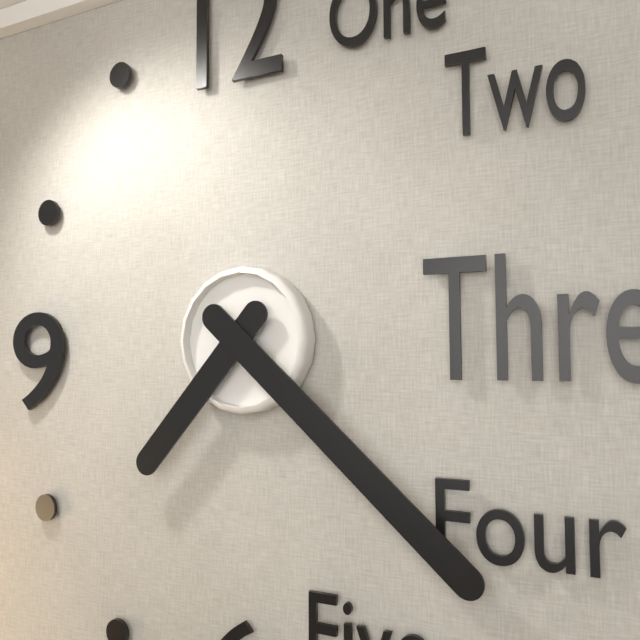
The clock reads 7h22
